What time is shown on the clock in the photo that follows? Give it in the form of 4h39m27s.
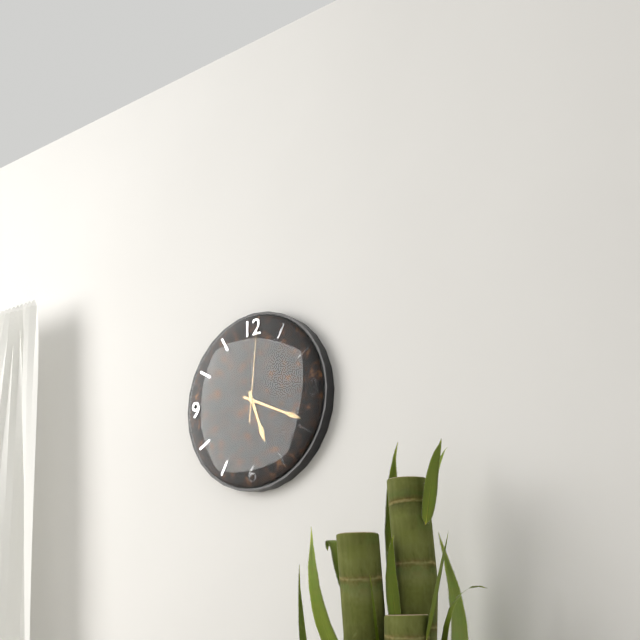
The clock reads 5h19m01s
